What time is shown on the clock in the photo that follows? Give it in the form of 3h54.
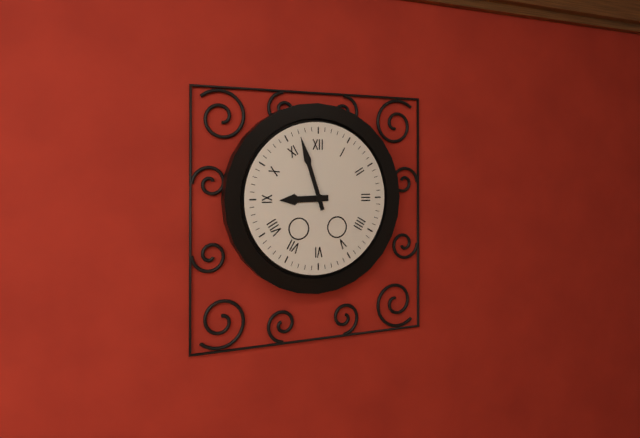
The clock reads 8h57
